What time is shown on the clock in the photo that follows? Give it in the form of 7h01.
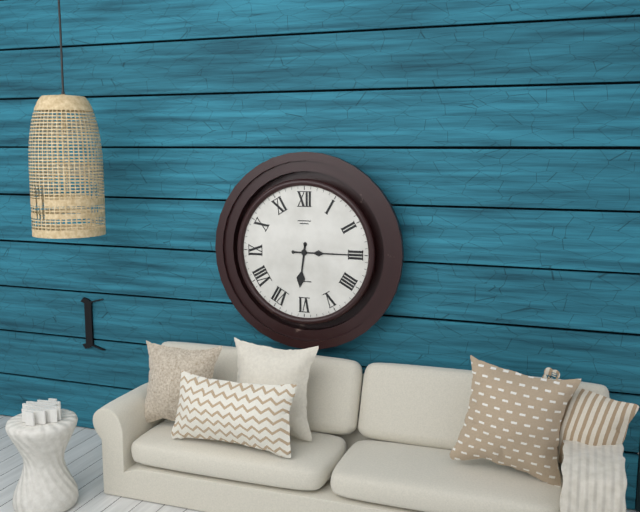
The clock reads 6h15
